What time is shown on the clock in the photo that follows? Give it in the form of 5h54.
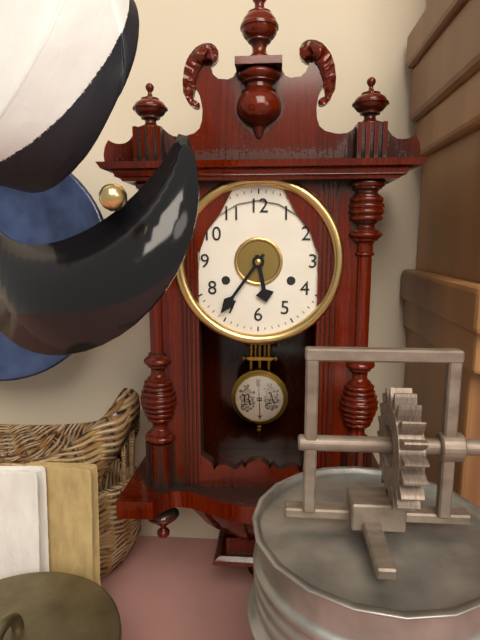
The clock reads 5h36
